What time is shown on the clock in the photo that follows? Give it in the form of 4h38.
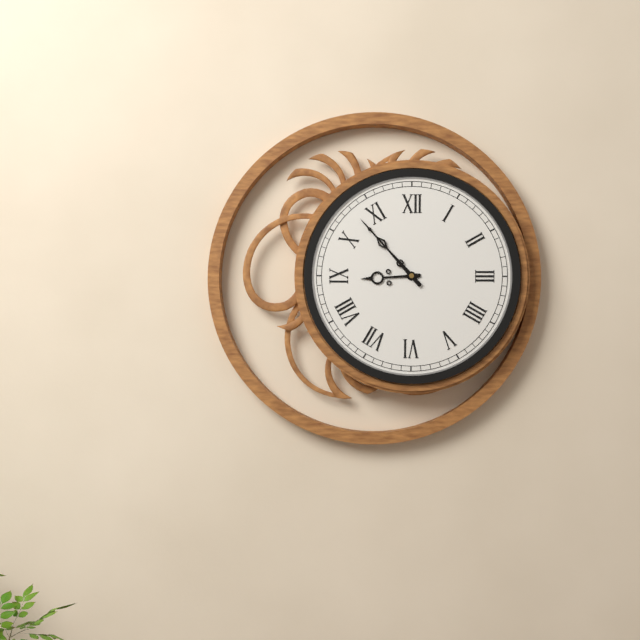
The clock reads 8h53
